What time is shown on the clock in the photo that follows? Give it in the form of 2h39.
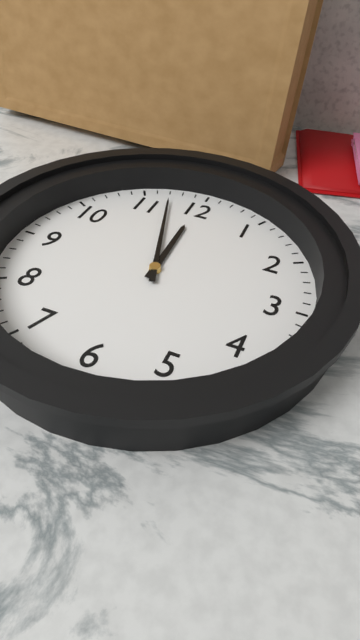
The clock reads 11h57
